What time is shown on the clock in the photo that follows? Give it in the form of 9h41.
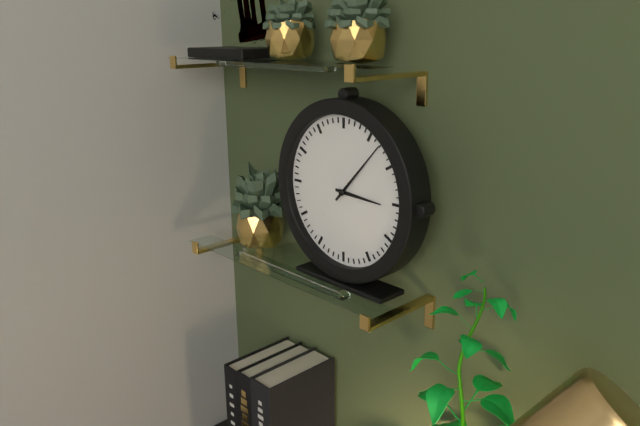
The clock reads 3h07
